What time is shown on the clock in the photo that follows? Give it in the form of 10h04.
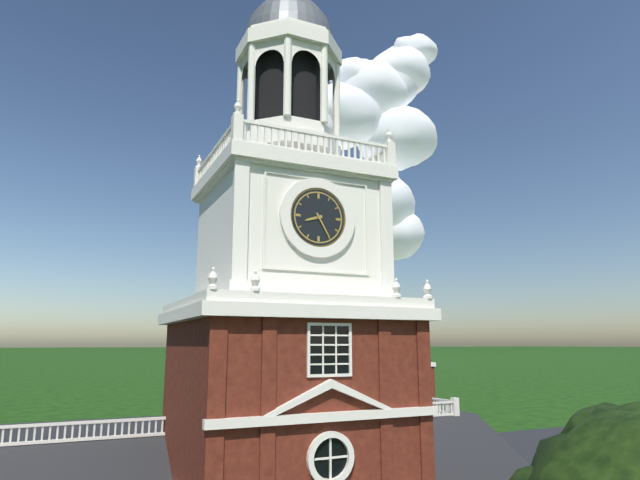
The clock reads 8h25
